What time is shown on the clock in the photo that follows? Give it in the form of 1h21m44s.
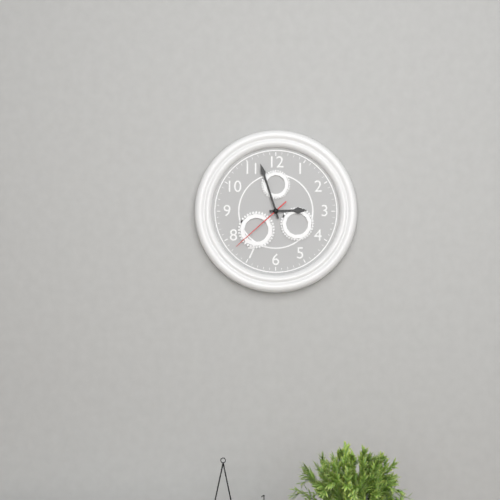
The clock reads 2h57m38s
